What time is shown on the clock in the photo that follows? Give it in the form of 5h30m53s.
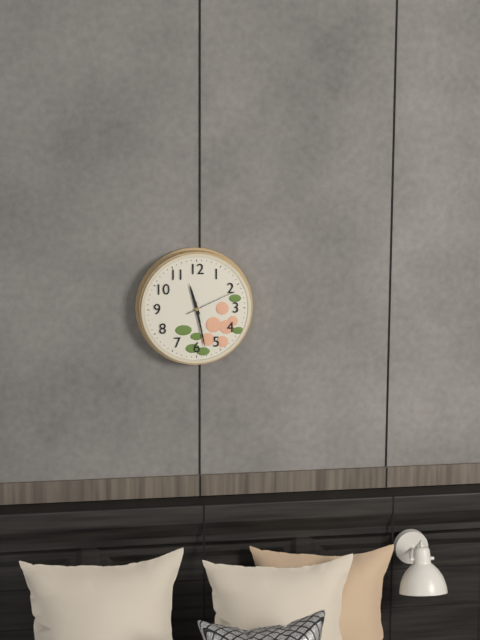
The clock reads 11h28m11s
